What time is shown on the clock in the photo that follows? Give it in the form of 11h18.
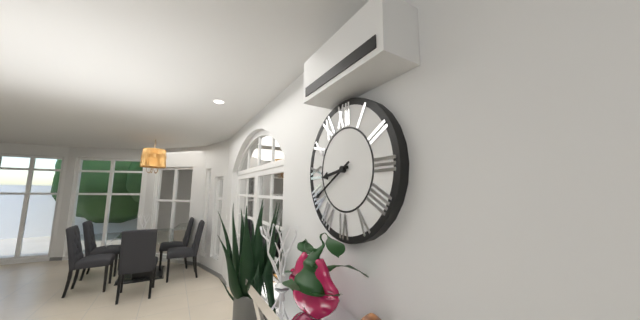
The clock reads 8h40
